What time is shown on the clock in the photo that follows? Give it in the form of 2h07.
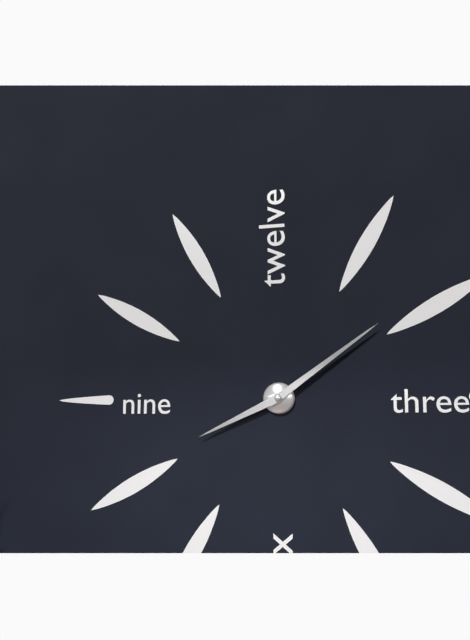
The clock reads 8h09
